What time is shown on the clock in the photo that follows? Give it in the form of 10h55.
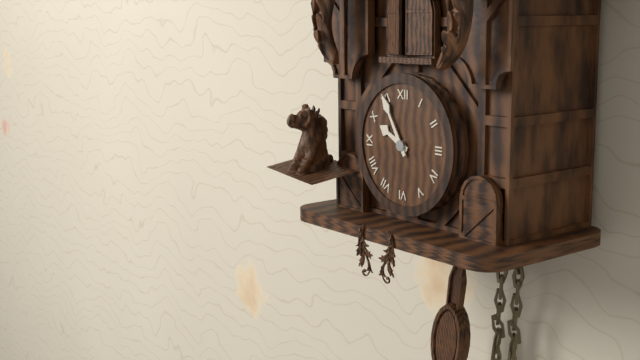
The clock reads 9h55
